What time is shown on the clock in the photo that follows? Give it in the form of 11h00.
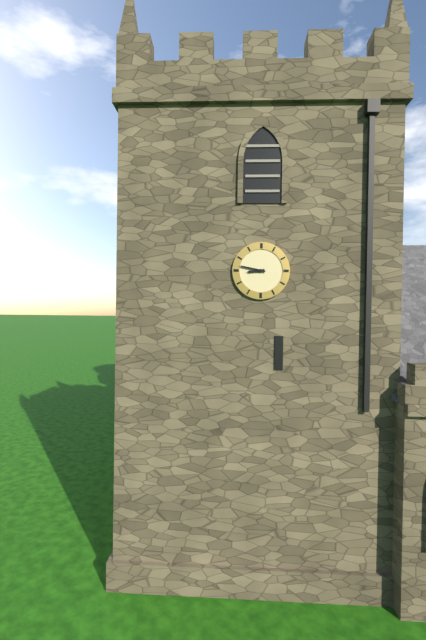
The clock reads 8h47
